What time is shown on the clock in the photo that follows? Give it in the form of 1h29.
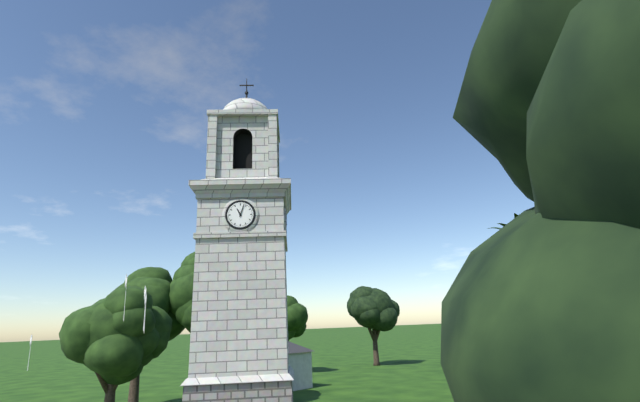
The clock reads 11h03
